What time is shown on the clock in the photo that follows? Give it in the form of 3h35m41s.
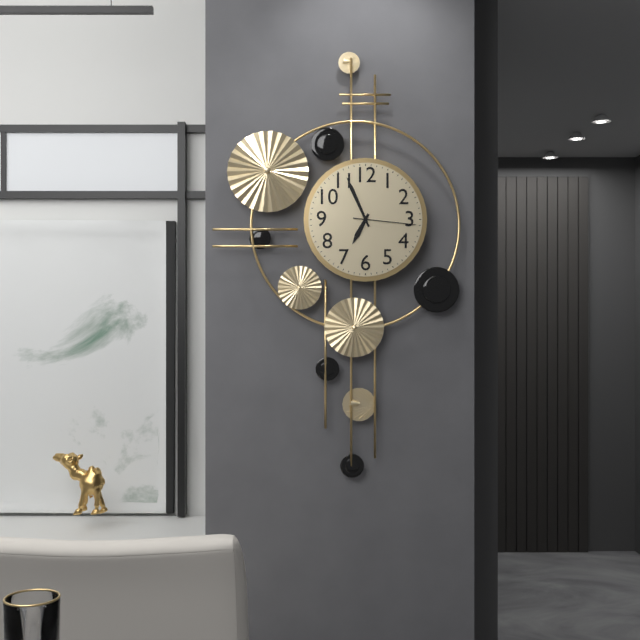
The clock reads 6h56m16s
